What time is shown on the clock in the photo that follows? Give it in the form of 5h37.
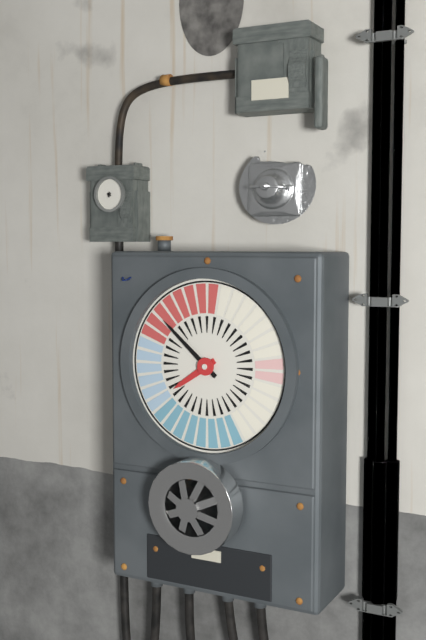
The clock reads 7h52
